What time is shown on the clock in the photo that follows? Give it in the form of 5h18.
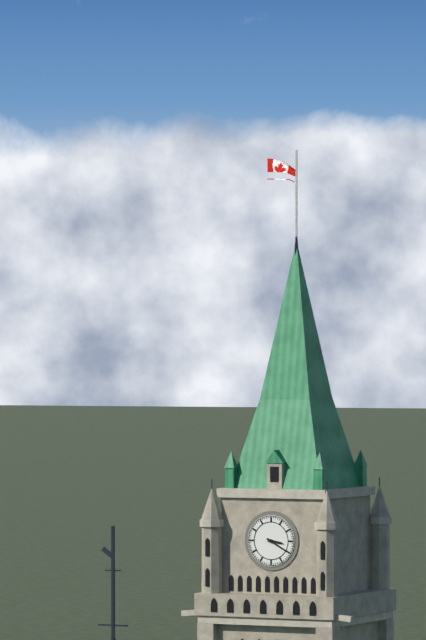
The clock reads 3h20
